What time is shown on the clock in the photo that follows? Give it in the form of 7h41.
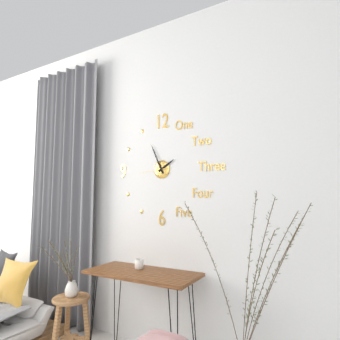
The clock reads 1h56
